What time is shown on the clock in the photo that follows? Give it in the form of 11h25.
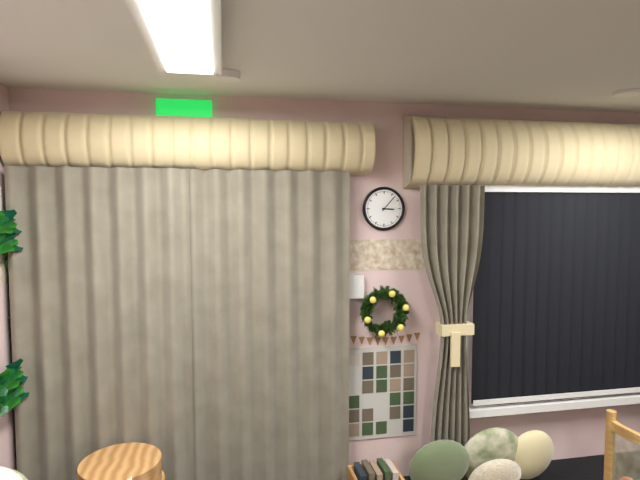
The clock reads 3h07
